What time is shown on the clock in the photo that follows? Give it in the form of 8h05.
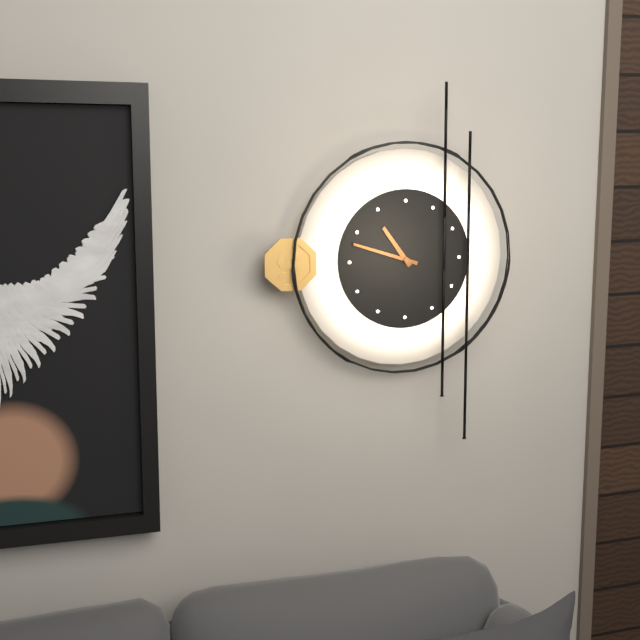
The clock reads 10h48
